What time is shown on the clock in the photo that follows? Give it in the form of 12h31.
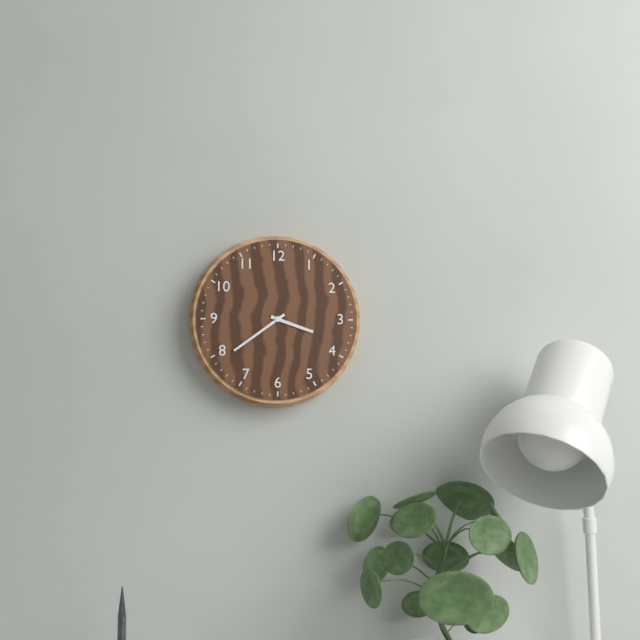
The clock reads 3h39
